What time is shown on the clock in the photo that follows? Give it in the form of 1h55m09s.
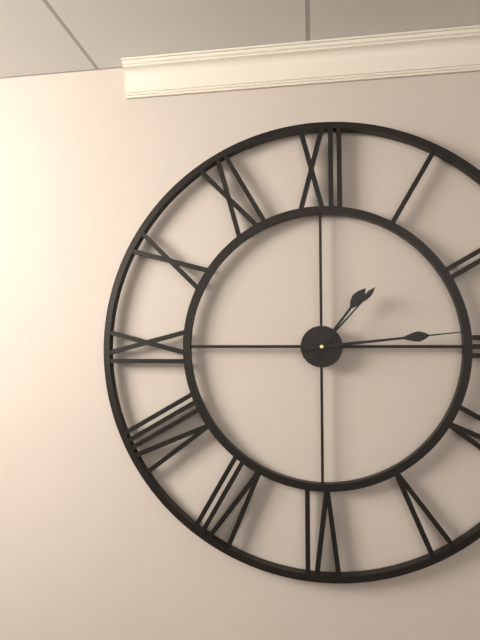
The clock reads 1h14m07s
